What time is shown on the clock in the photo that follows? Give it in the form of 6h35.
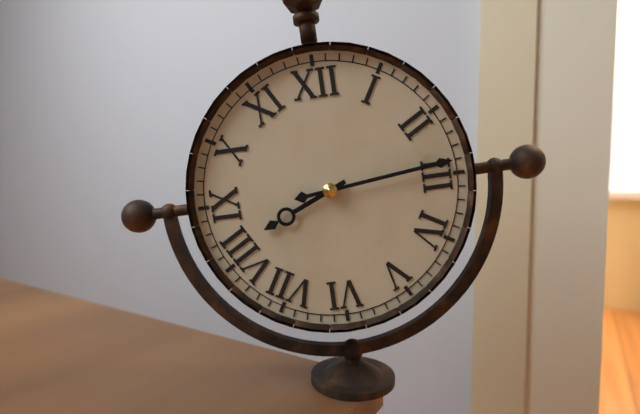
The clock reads 8h14
